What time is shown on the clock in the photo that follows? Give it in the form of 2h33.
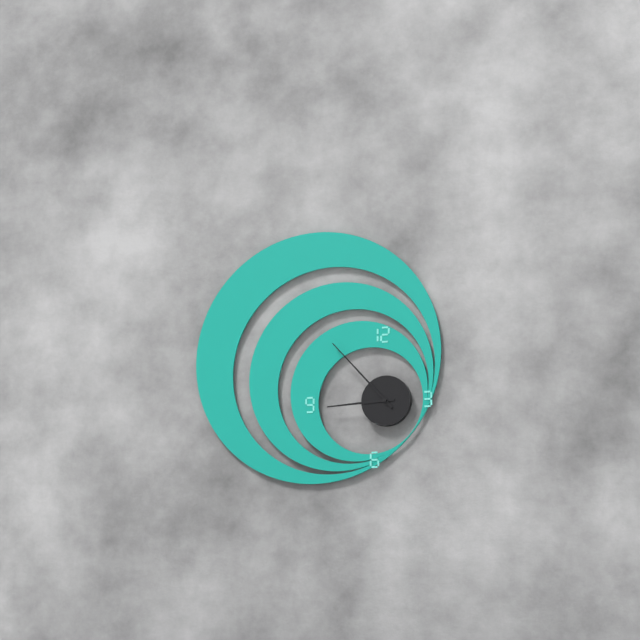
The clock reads 8h53
